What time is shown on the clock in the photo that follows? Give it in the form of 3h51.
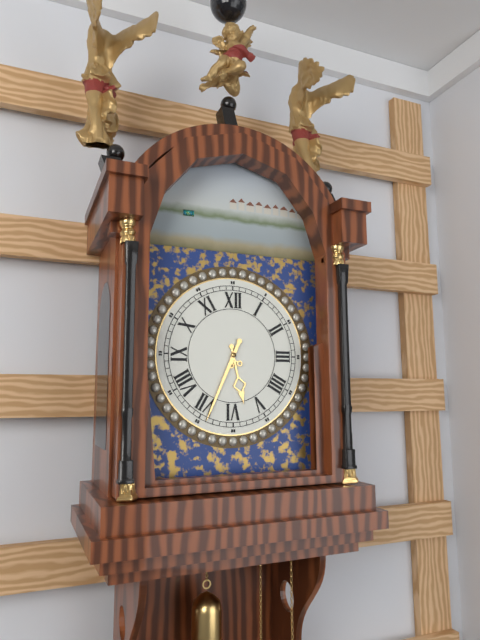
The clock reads 5h34
